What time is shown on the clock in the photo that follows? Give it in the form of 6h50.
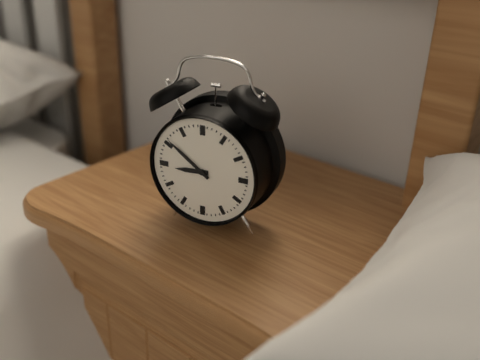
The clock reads 8h51
